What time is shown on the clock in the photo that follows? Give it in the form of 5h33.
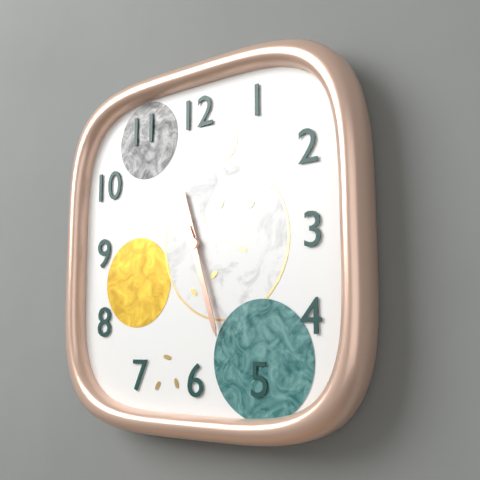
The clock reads 11h27
